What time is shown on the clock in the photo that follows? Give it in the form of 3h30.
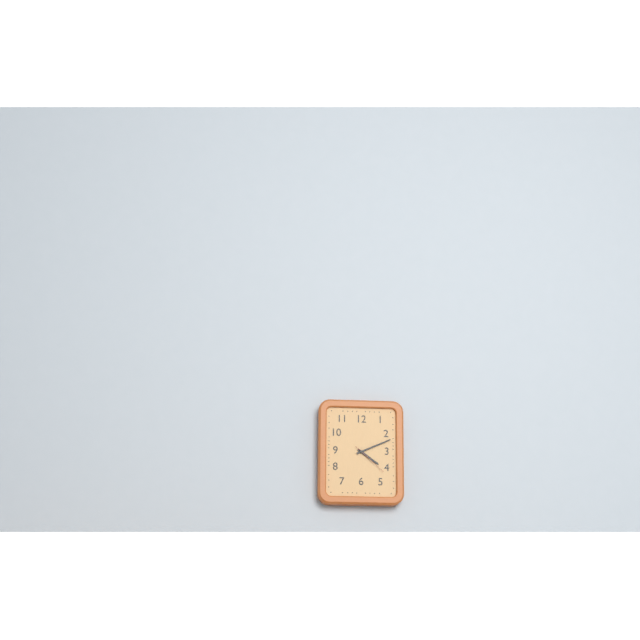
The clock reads 4h11
